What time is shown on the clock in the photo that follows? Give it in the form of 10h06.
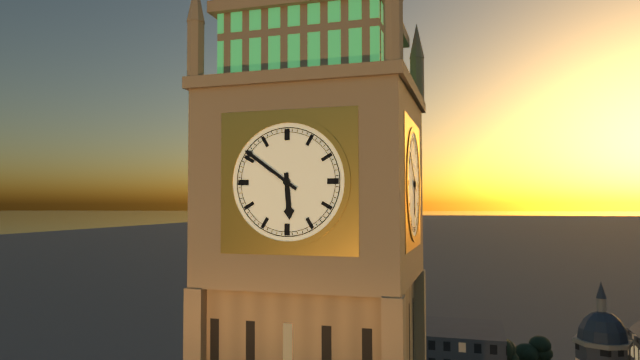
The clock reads 5h51
